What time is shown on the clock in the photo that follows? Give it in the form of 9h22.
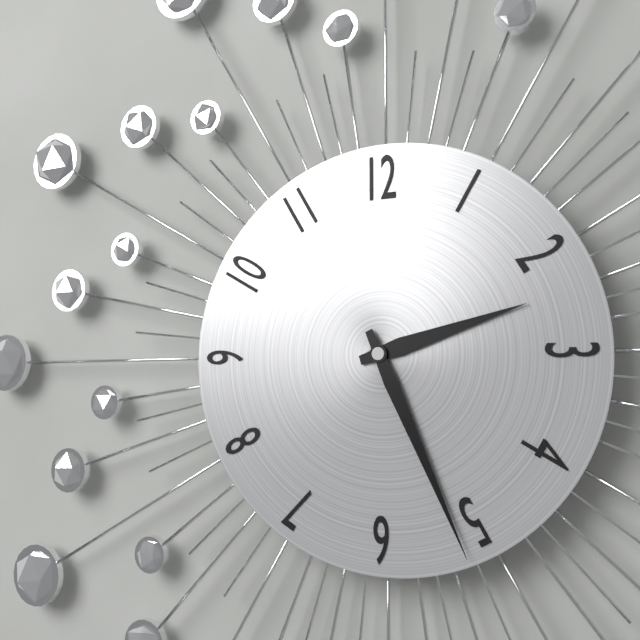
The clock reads 2h26
